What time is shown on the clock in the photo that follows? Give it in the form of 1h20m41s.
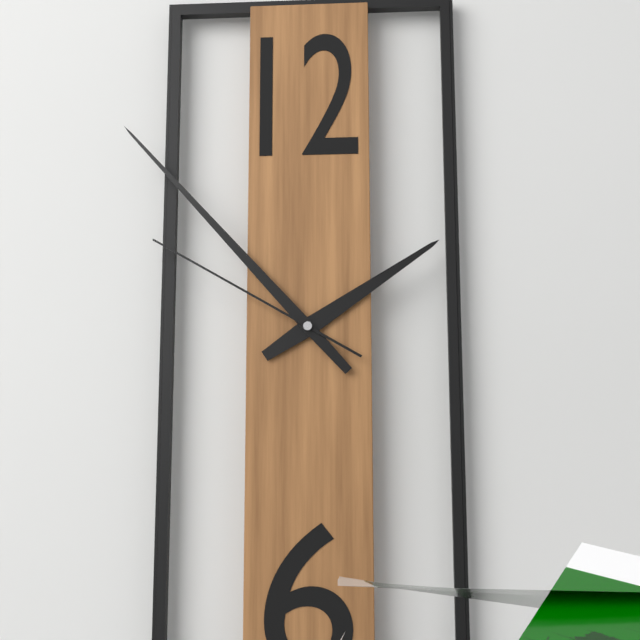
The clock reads 1h53m50s
